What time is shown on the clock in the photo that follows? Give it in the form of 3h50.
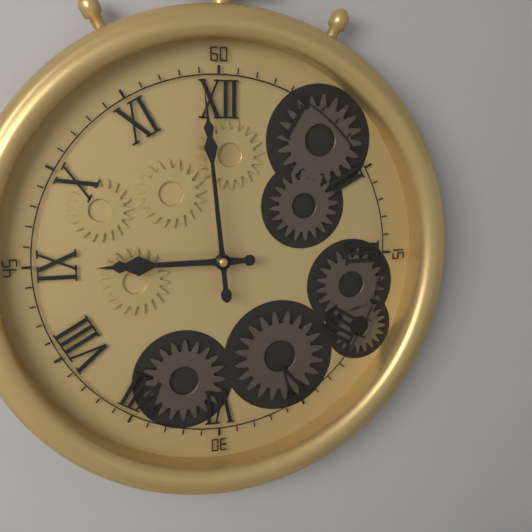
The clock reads 8h59
